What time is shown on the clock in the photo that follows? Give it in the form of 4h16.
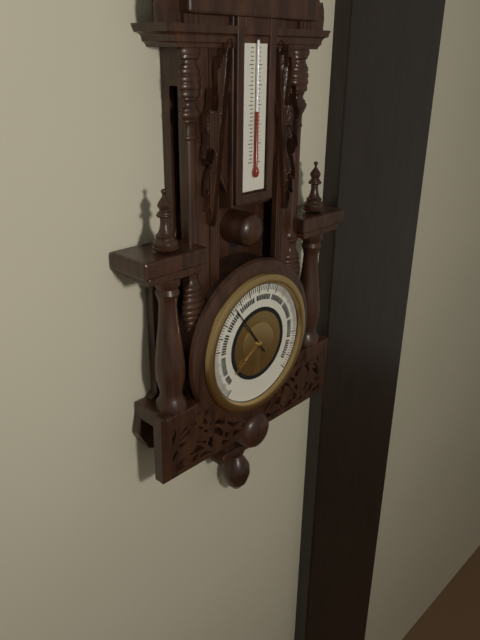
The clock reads 7h54
